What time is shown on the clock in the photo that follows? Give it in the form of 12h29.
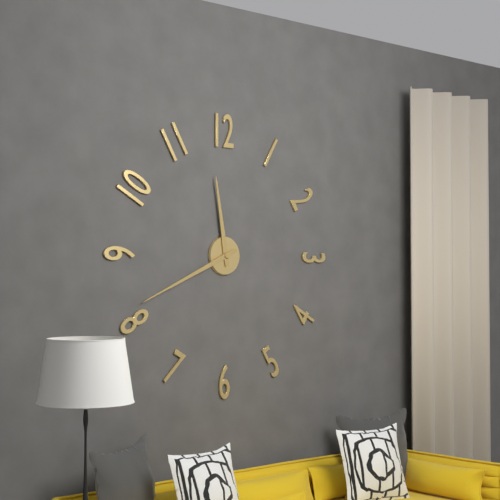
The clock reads 11h41
